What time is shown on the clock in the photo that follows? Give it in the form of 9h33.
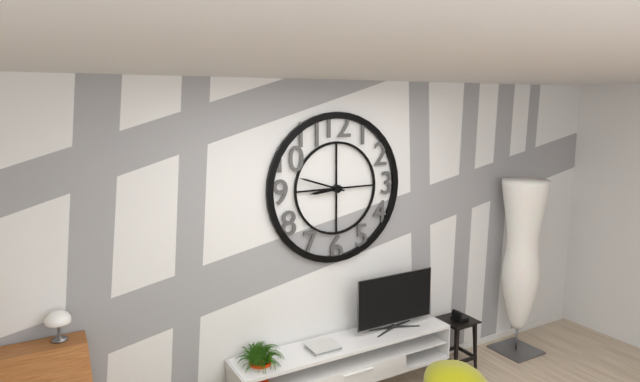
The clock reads 8h48
